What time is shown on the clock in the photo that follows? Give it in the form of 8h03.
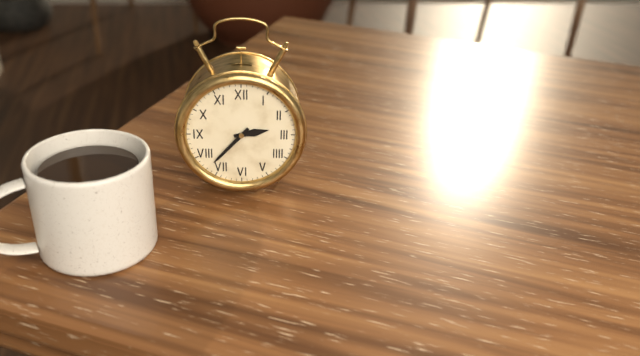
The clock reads 2h37
